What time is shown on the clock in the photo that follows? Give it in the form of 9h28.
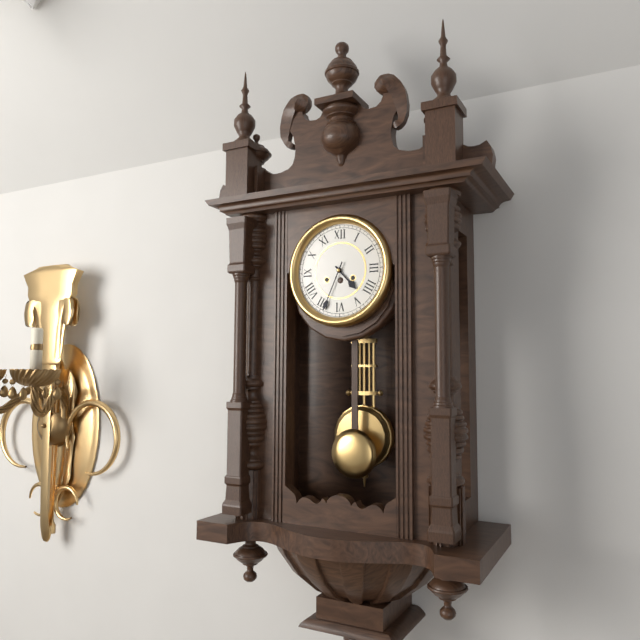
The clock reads 4h34
